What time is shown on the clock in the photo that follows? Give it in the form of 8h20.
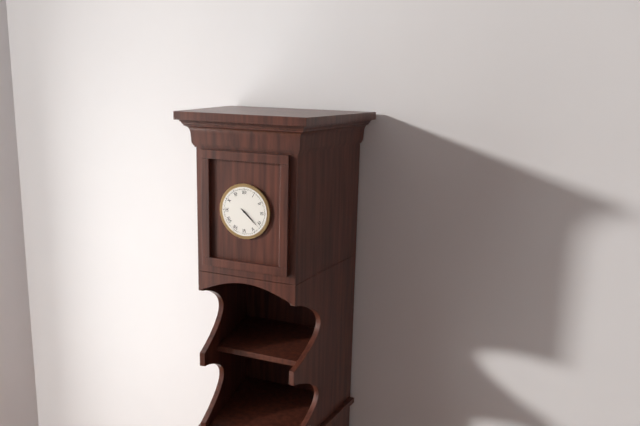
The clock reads 4h22
